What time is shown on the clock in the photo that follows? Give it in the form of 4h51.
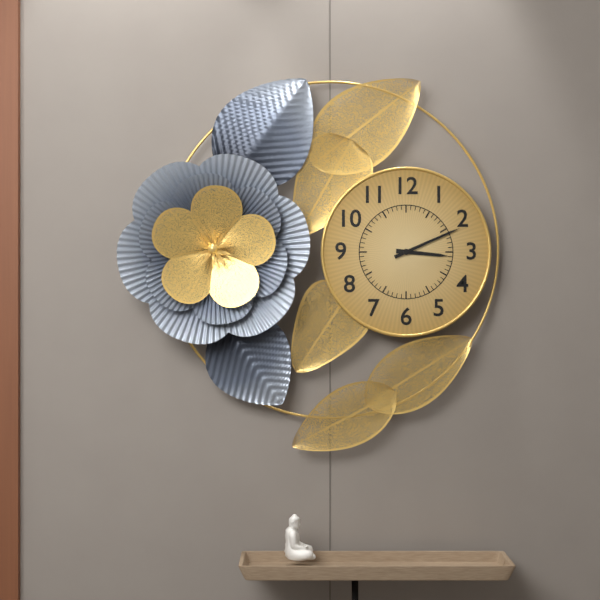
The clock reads 3h11
